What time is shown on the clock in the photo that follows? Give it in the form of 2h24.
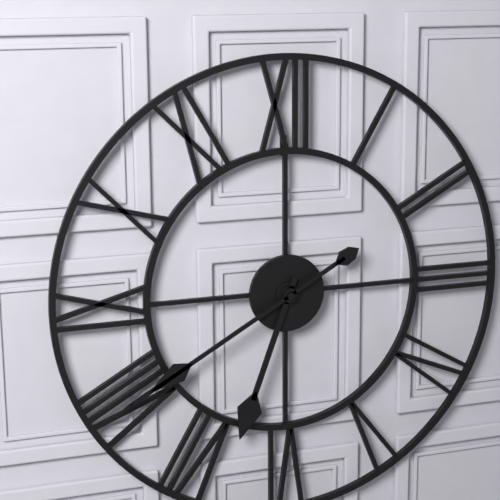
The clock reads 6h40
